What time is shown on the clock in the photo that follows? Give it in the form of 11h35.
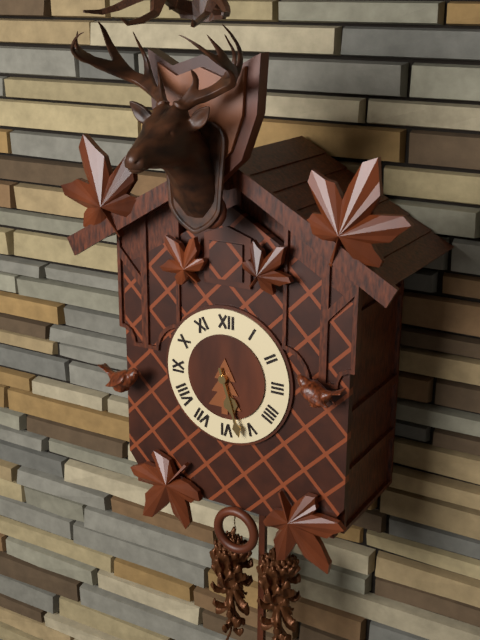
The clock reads 5h27
